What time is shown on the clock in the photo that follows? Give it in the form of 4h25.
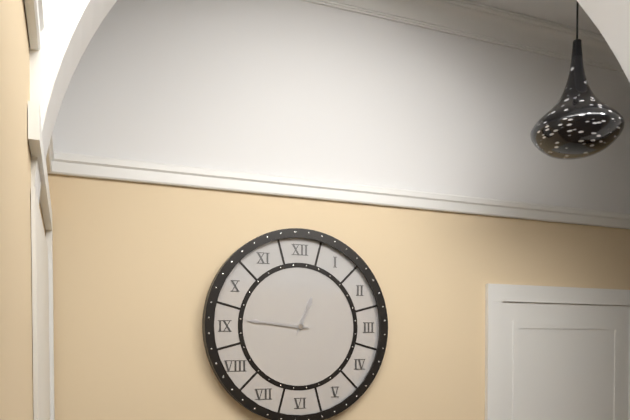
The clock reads 12h46
